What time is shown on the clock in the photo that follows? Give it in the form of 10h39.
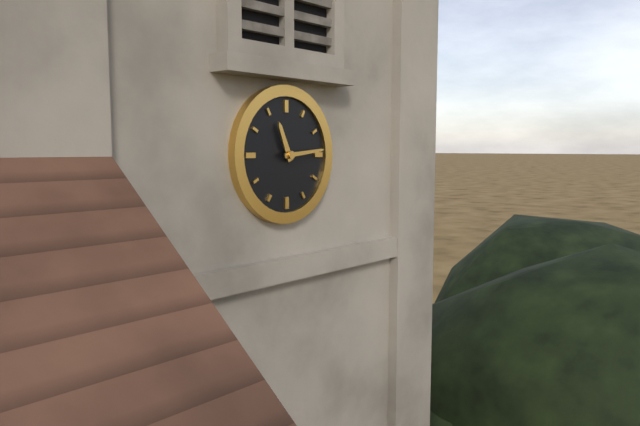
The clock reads 11h14
